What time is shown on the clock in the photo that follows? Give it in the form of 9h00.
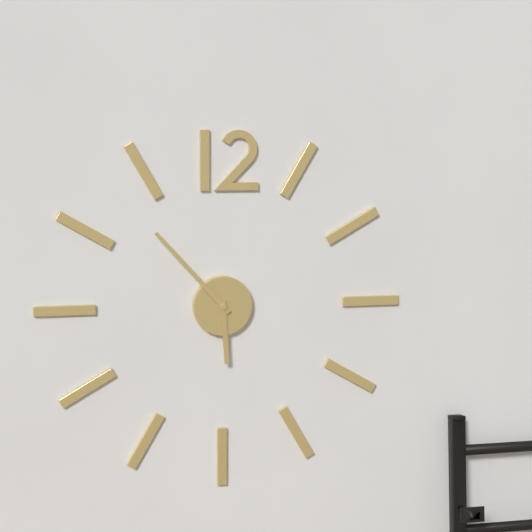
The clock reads 5h53
